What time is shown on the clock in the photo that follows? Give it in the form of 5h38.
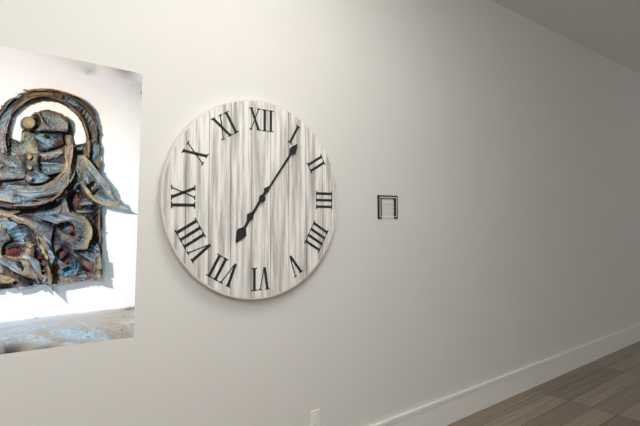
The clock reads 7h06
